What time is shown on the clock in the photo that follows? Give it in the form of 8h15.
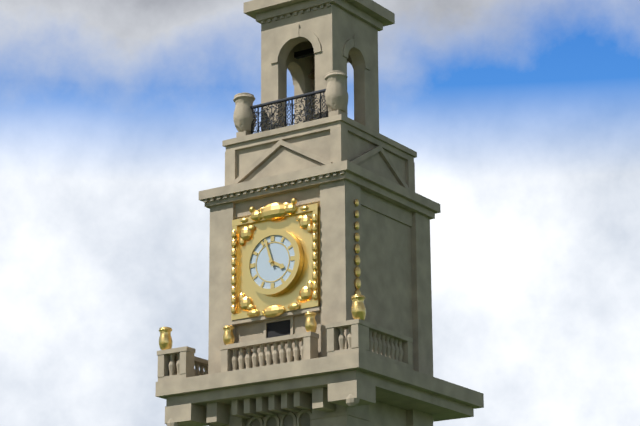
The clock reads 3h57
